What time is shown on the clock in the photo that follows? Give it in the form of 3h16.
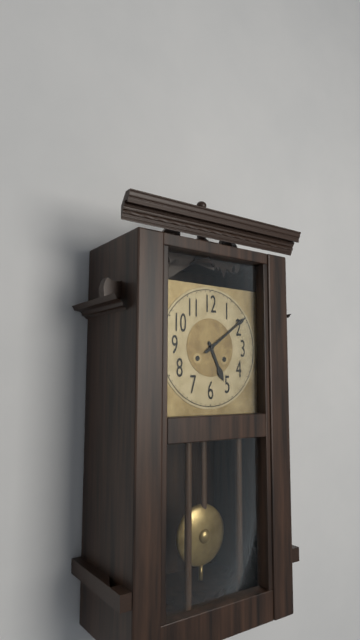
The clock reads 5h09
